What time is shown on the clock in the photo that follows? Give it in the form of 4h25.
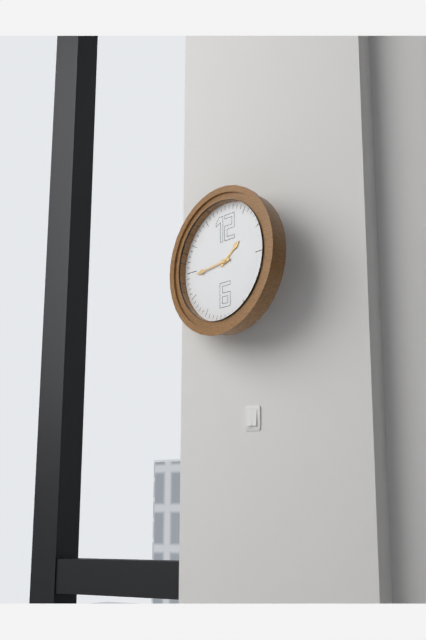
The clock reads 1h44
